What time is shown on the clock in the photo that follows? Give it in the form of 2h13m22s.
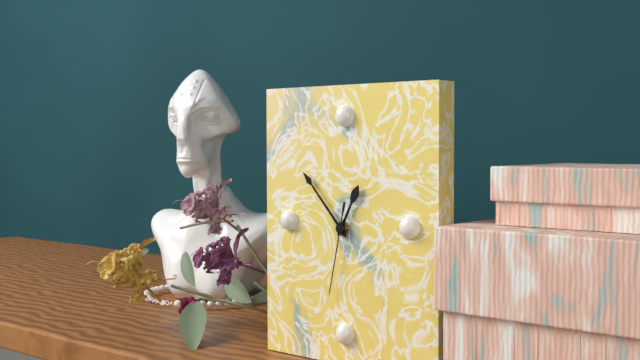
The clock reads 12h53m32s
